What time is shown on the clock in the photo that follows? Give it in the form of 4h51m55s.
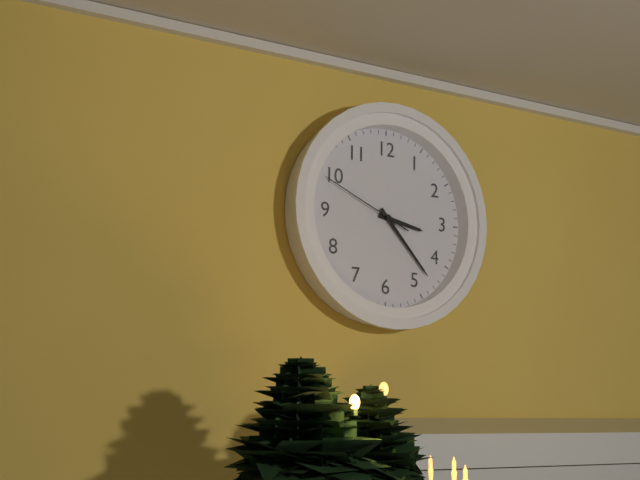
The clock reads 3h23m49s
